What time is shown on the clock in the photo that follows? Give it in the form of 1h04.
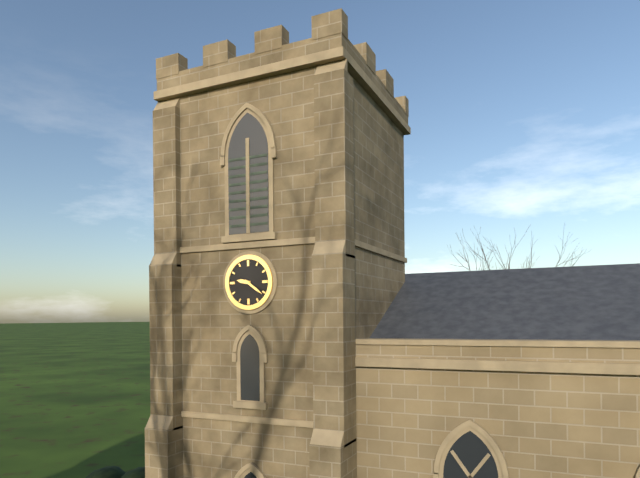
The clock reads 9h21
